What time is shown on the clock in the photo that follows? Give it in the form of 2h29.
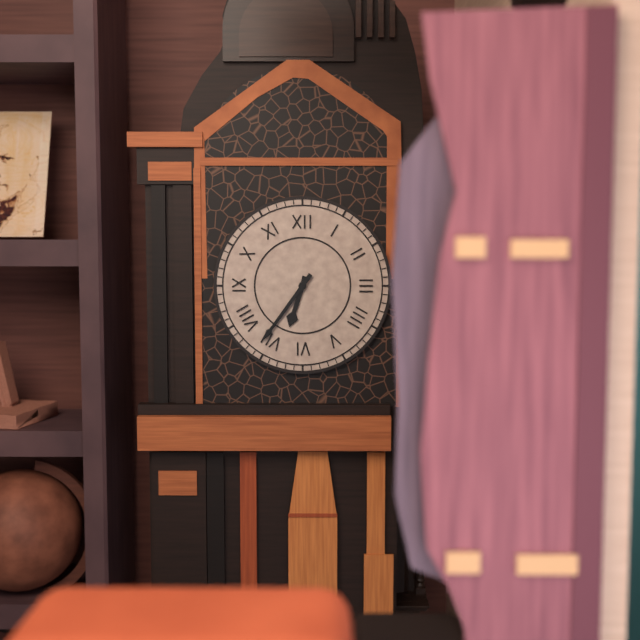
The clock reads 6h36
